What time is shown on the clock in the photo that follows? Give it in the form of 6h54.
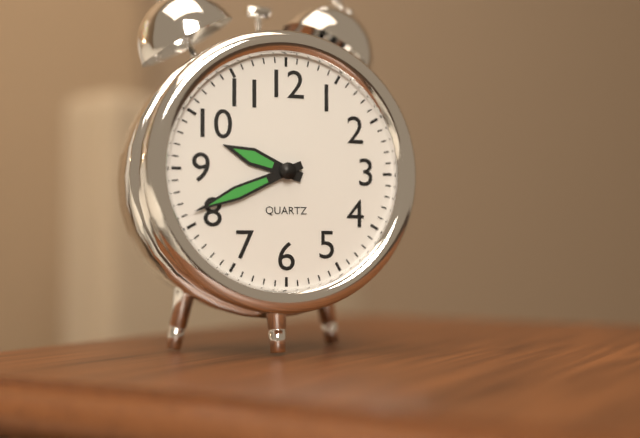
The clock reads 9h41
